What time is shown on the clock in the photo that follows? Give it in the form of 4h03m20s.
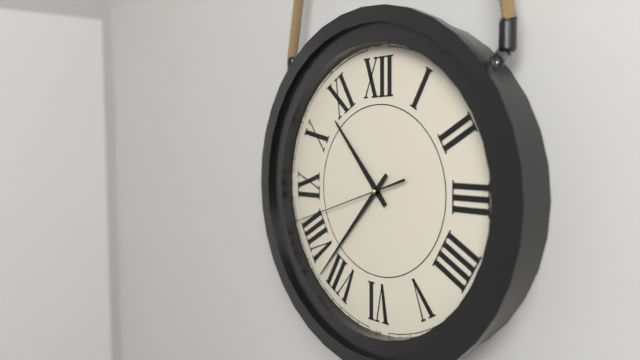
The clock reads 10h37m42s
